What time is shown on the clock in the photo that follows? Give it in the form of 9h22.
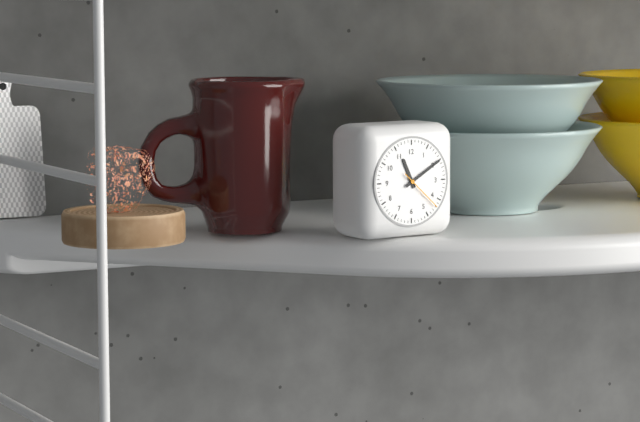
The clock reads 11h10
